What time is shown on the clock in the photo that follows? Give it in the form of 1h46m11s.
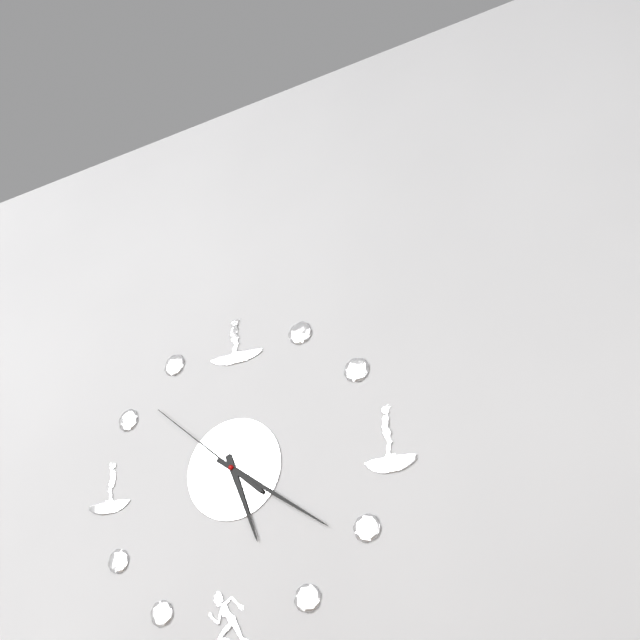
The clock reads 5h21m52s
